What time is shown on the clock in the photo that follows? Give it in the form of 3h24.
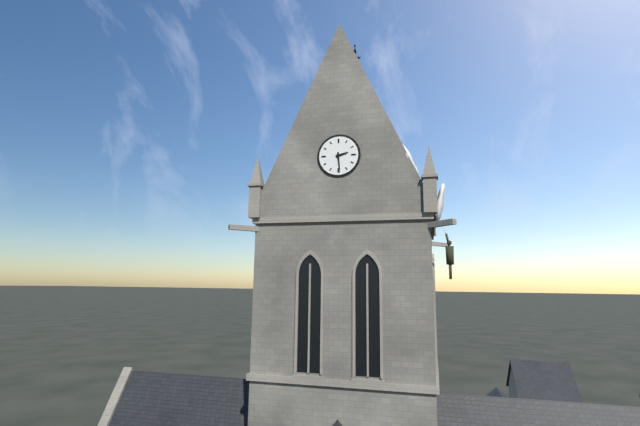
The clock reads 2h29
